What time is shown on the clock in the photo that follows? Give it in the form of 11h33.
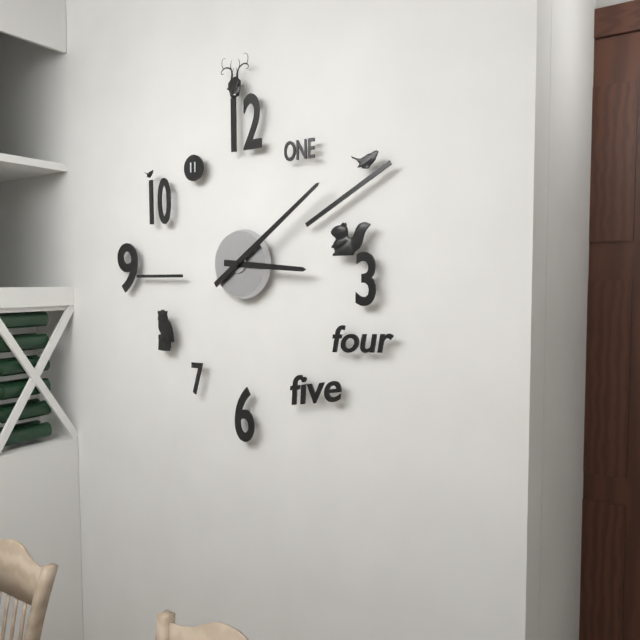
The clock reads 3h09
